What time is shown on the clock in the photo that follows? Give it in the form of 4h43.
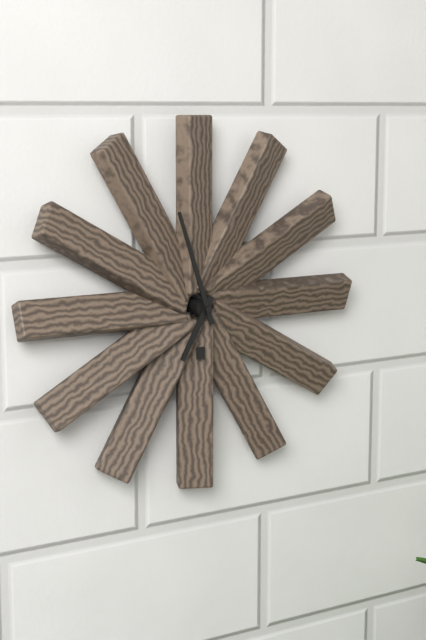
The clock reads 6h57
